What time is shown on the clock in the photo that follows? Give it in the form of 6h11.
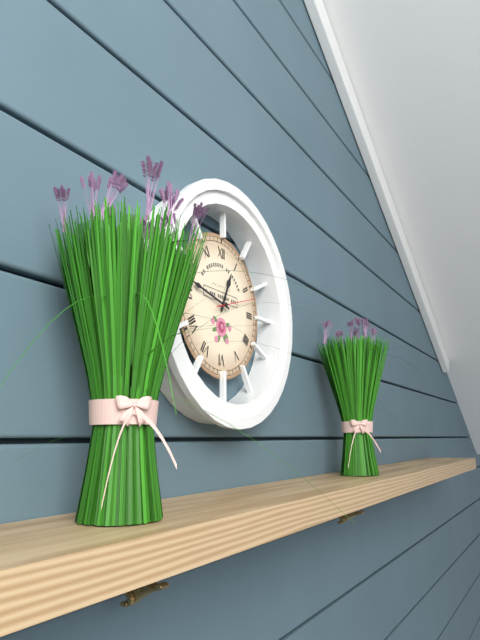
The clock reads 12h47
